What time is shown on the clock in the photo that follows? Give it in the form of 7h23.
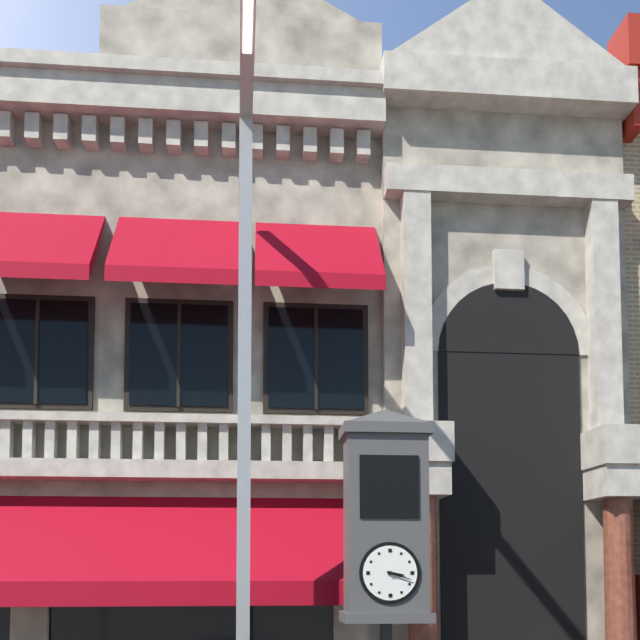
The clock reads 3h18
